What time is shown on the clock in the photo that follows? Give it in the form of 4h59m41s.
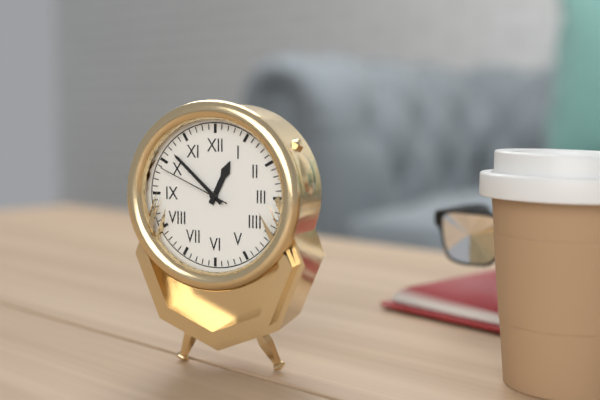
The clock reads 12h52m49s
